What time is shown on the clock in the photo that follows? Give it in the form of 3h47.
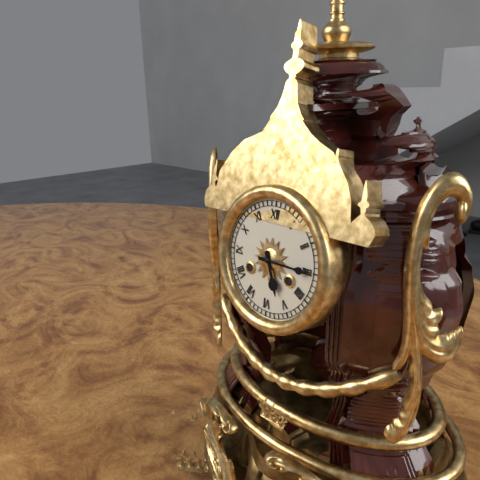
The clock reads 5h15
